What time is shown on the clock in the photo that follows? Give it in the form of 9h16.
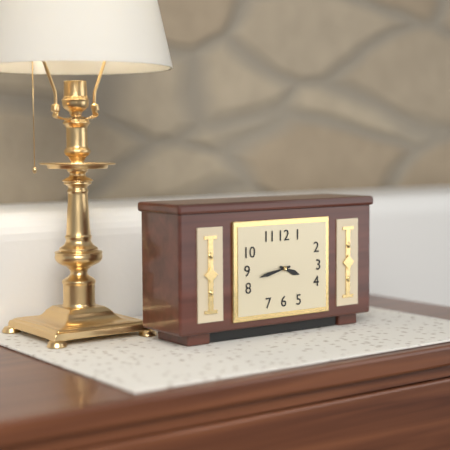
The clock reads 3h43
